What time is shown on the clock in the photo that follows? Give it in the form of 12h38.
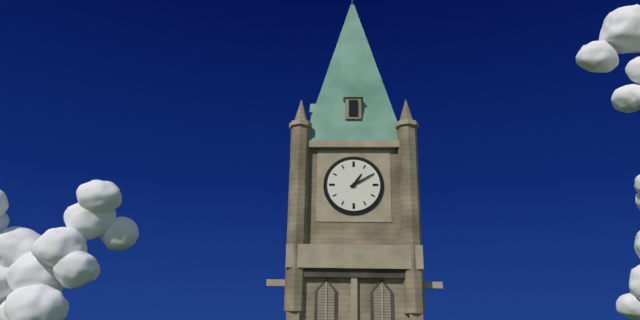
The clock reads 1h10
